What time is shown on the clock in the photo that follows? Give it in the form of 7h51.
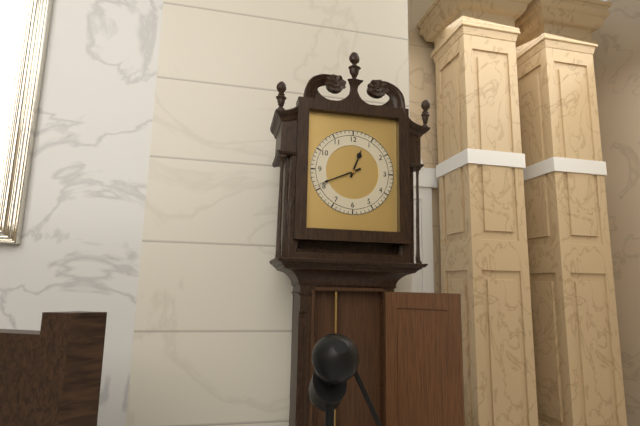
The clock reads 12h41
